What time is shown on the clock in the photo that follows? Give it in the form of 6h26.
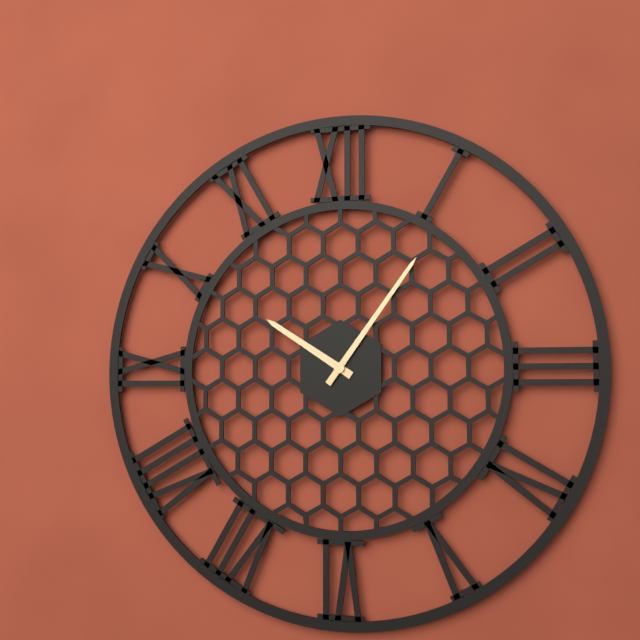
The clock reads 10h06
